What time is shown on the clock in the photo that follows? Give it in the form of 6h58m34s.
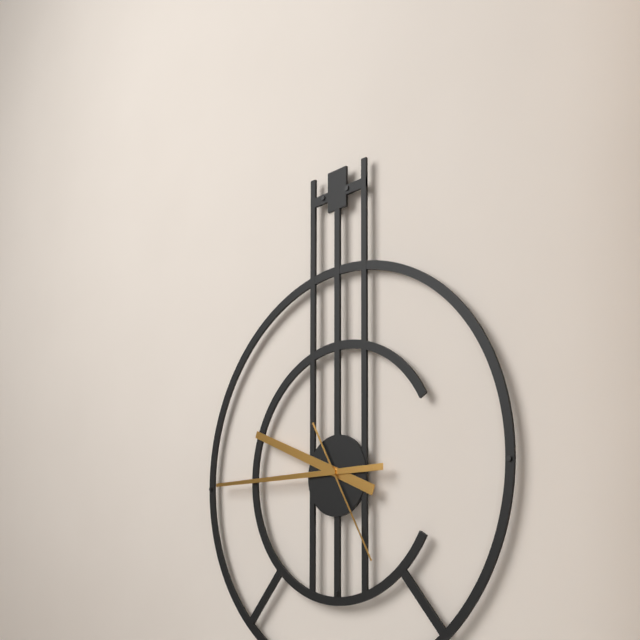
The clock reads 9h45m25s
